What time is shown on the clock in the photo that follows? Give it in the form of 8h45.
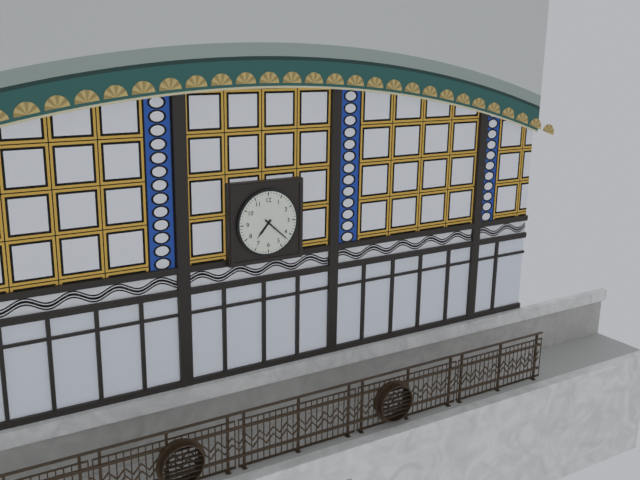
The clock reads 7h22
